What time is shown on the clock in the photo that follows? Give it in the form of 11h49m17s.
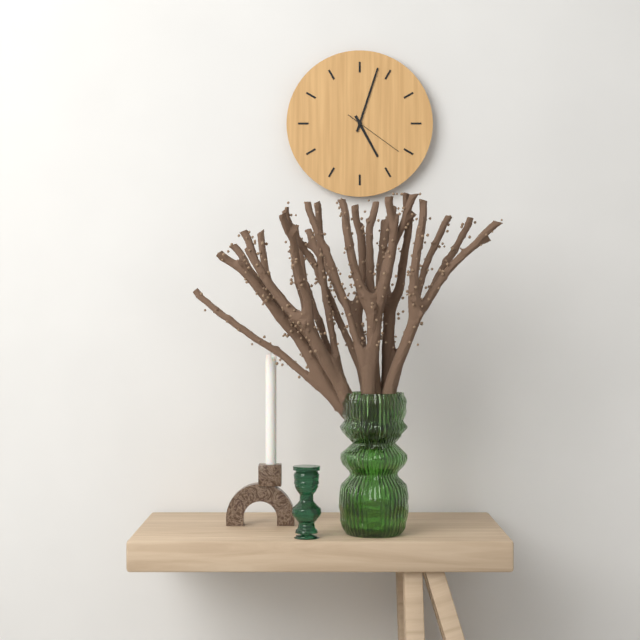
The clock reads 5h03m21s
